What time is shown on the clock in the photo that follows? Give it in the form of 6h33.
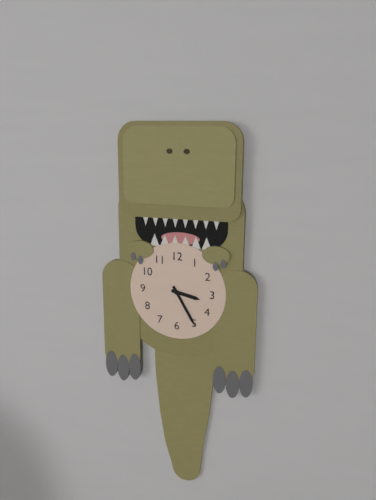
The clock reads 3h25
